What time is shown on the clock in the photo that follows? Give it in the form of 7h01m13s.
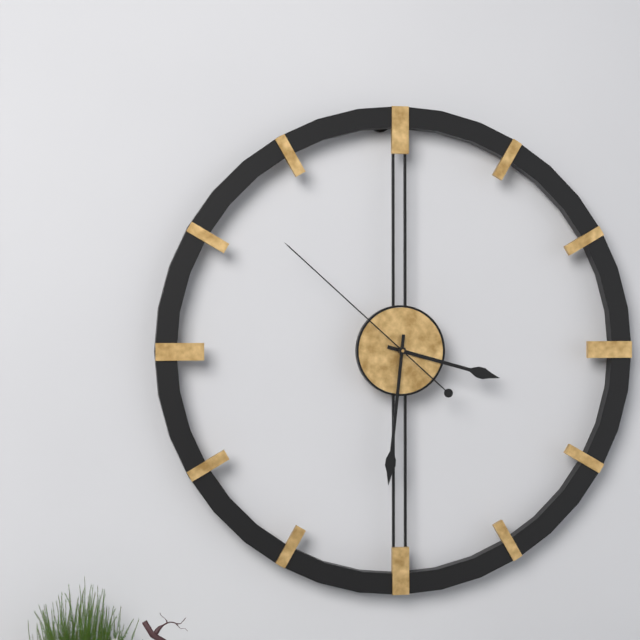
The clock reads 3h31m52s
